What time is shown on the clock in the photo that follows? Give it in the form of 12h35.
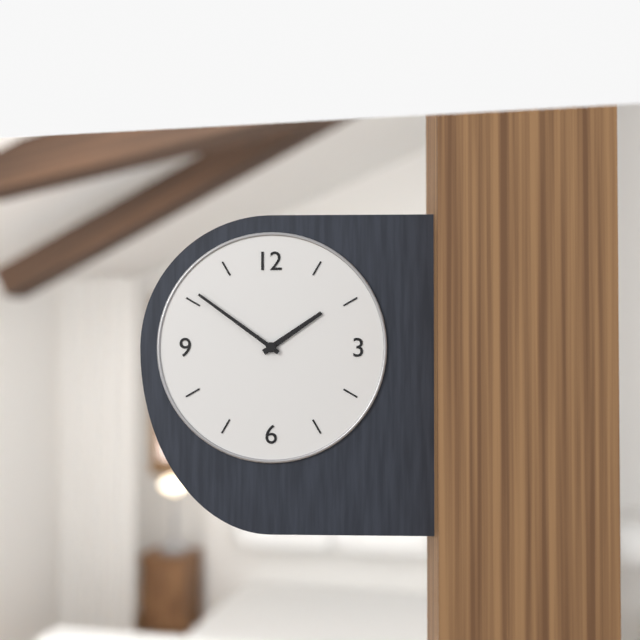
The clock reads 1h51
